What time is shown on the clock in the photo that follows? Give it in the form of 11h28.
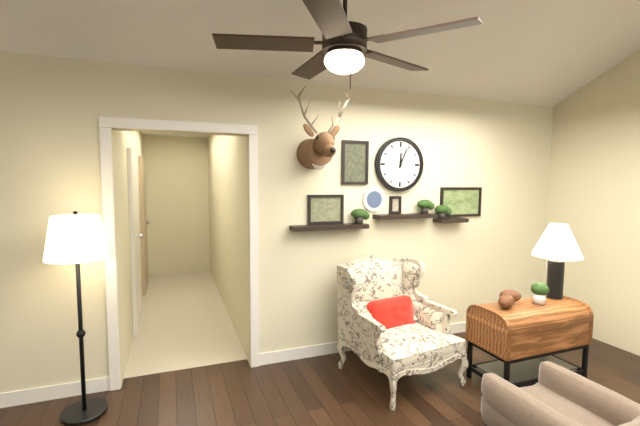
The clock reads 12h04
